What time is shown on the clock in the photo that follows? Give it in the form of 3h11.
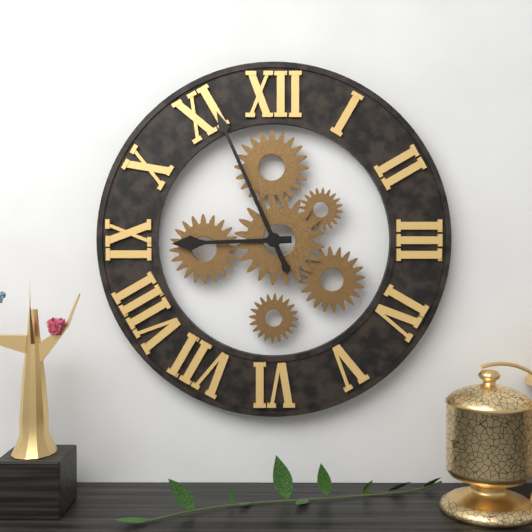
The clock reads 8h56
